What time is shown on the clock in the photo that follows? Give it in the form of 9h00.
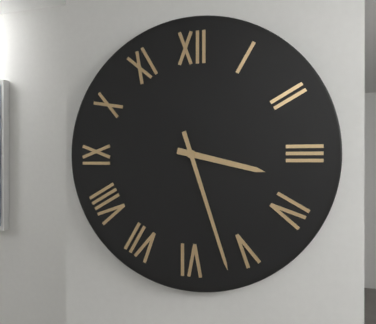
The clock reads 3h27
